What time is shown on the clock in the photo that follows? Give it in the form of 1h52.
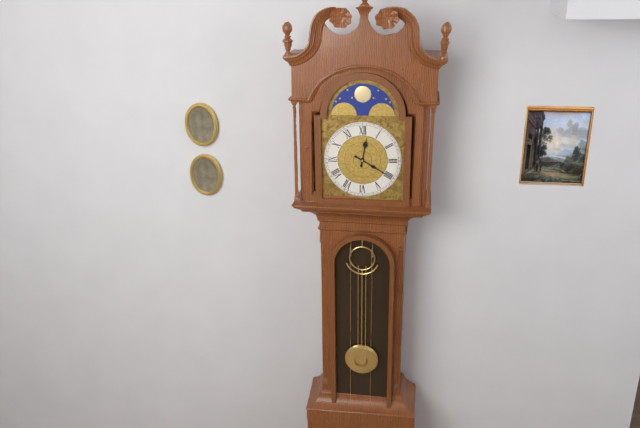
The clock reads 12h20
